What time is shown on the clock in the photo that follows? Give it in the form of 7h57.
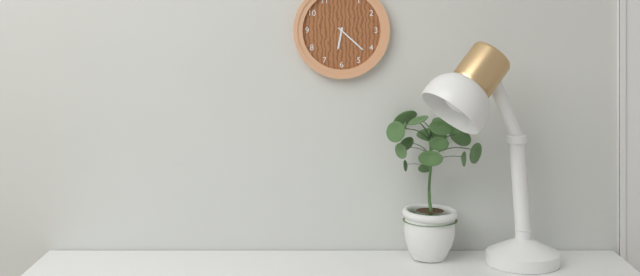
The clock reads 6h22
